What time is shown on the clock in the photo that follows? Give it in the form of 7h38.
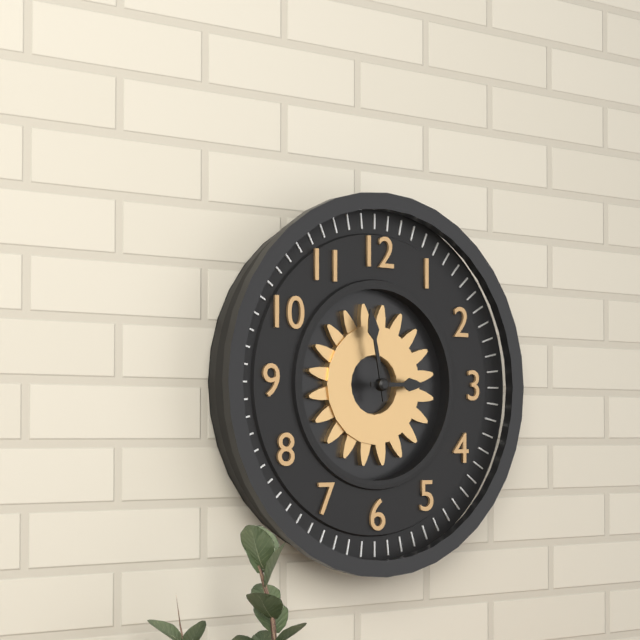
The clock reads 2h58
